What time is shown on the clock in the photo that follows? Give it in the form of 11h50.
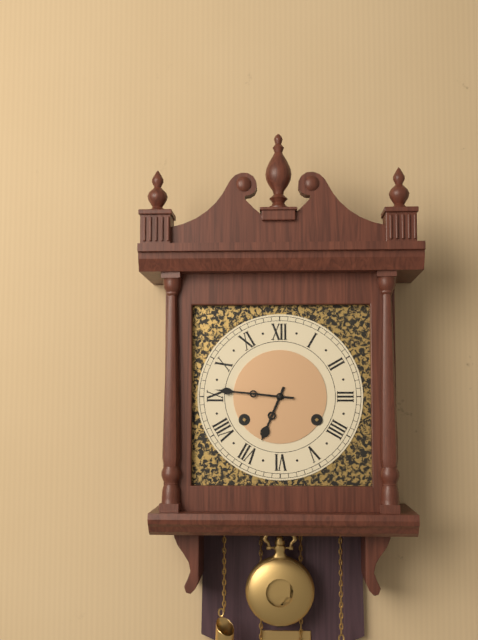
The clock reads 6h46
